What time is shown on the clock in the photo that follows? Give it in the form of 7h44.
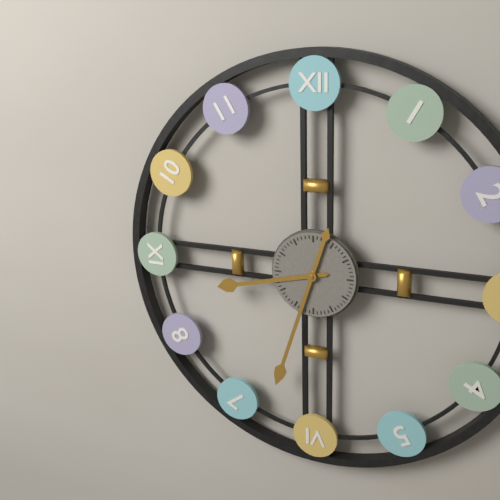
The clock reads 8h33
